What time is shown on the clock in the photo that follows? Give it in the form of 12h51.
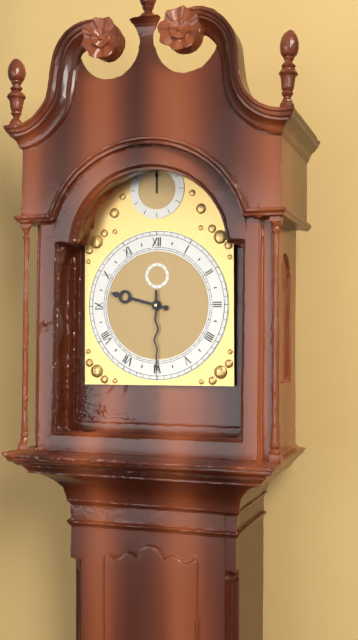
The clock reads 9h30
